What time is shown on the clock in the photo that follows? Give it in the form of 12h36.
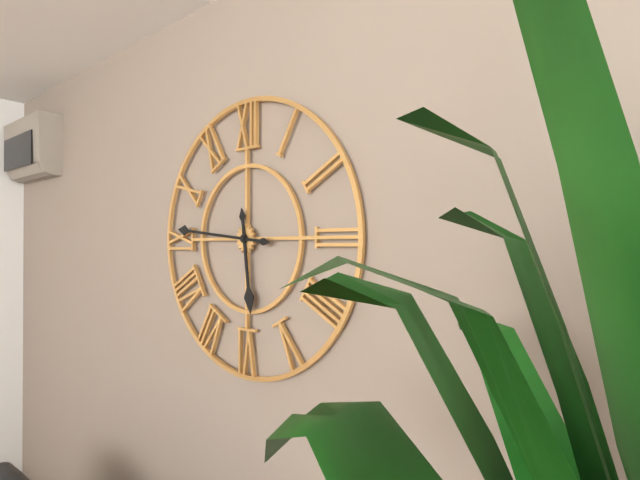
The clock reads 5h46
